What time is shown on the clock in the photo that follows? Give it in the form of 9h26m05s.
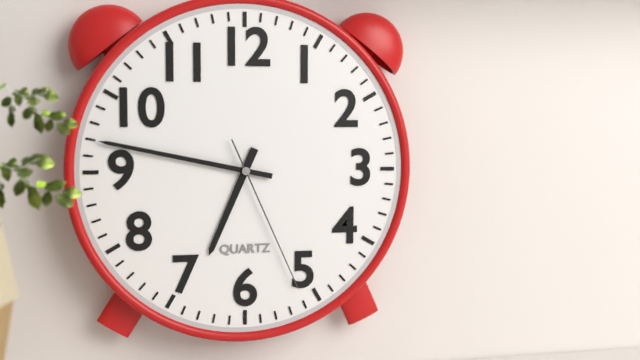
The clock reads 6h47m26s
